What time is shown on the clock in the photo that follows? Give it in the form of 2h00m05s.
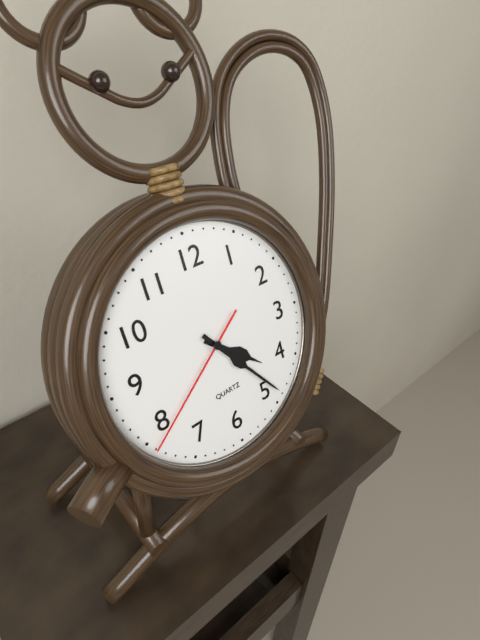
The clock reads 4h24m39s
